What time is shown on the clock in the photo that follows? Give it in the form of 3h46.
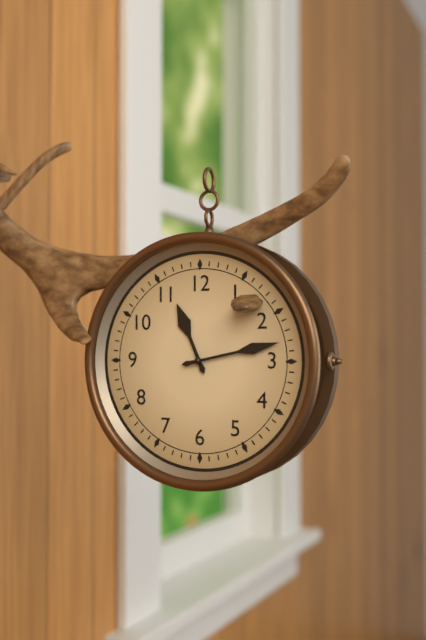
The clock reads 11h13
